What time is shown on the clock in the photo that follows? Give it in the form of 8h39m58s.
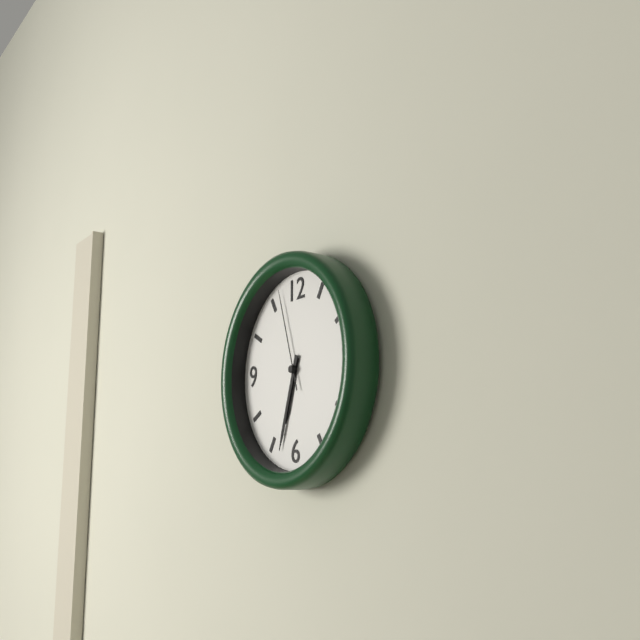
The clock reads 6h33m57s
